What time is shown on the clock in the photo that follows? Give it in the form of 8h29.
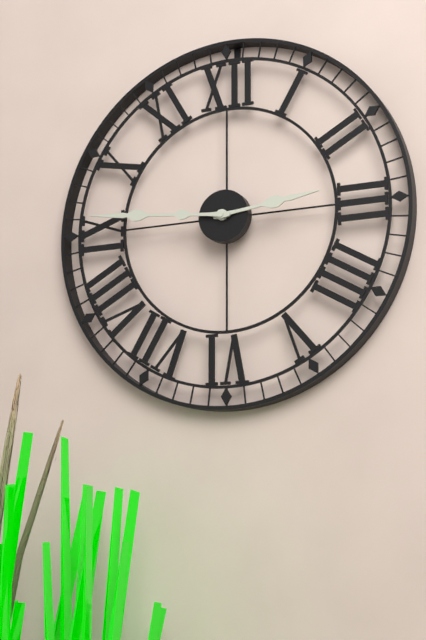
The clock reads 2h46
